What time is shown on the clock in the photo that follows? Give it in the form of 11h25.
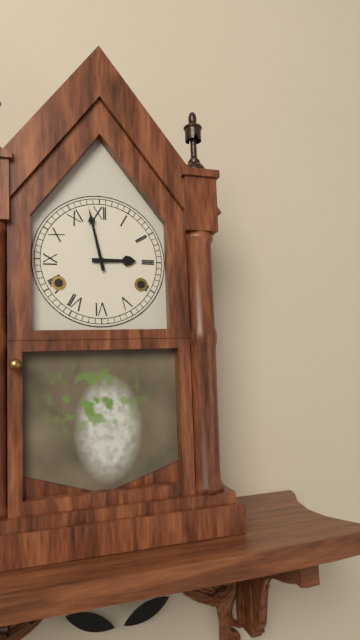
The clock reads 2h58
